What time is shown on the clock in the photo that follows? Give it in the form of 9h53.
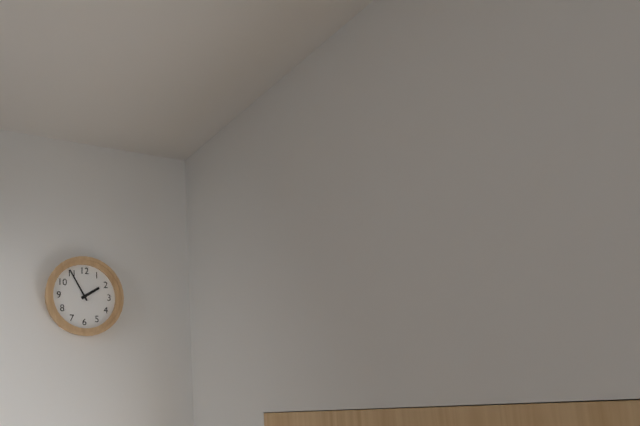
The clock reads 1h55
